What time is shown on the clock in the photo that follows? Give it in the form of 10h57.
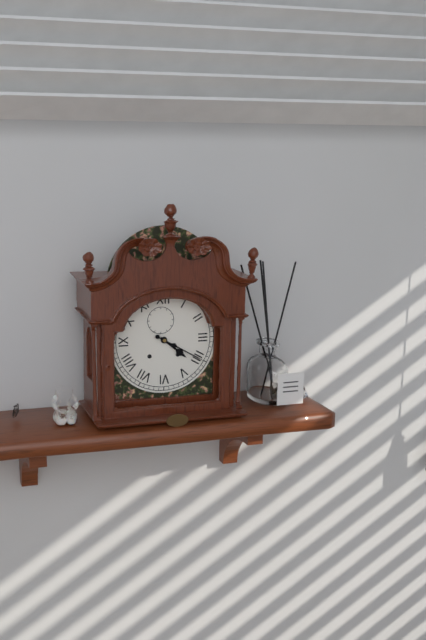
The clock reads 4h20
